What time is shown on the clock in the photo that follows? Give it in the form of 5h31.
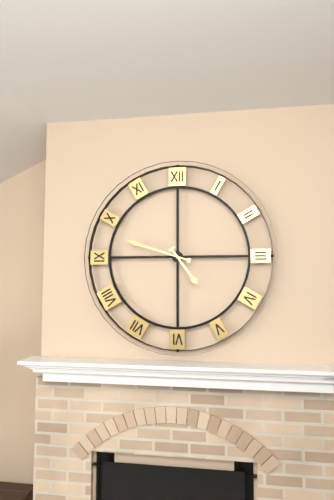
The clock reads 4h48
